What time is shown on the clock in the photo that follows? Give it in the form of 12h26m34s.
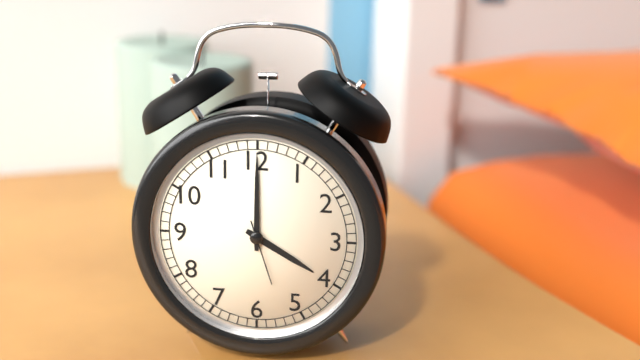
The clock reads 4h00m27s
